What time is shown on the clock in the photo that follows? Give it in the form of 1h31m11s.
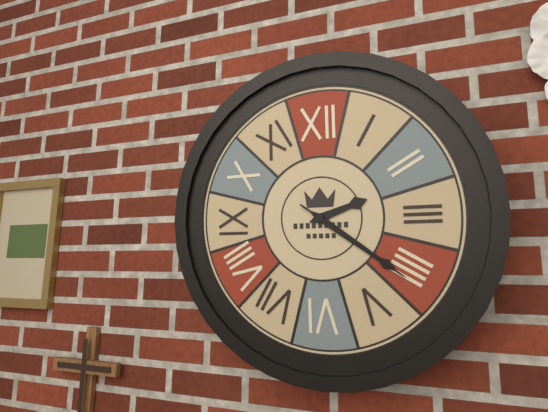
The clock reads 2h21m21s
